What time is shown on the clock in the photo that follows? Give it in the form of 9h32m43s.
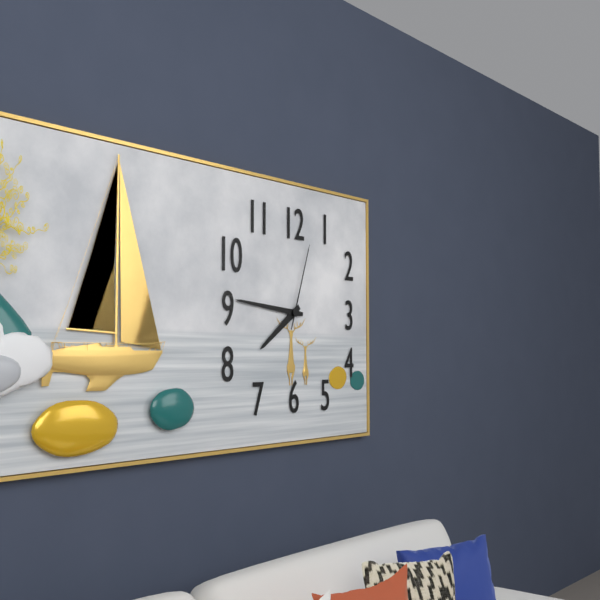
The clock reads 7h46m03s
